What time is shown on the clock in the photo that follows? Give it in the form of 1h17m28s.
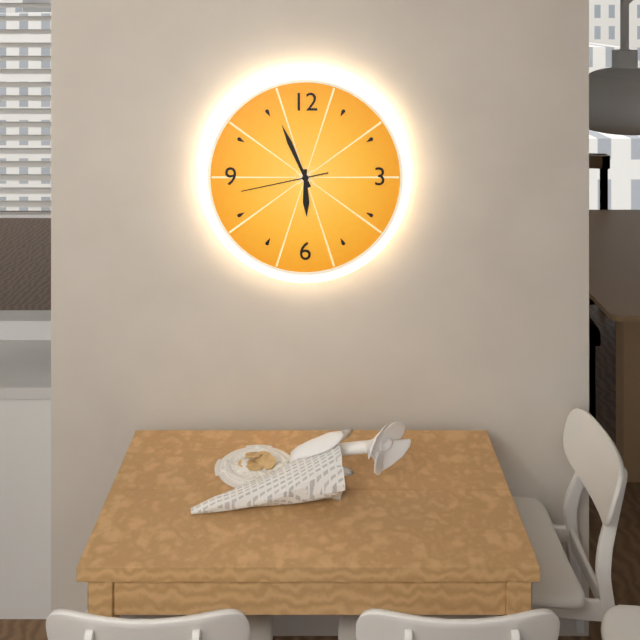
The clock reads 5h56m43s
